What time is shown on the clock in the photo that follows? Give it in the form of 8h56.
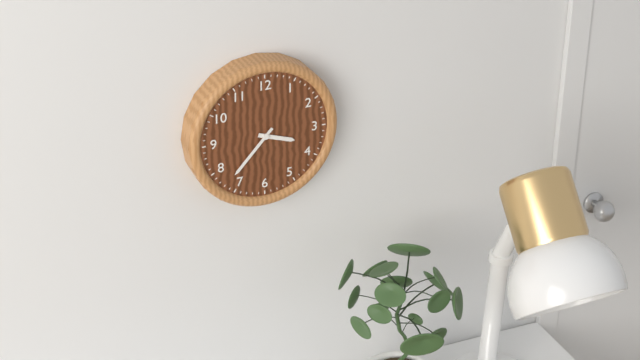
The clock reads 3h37
